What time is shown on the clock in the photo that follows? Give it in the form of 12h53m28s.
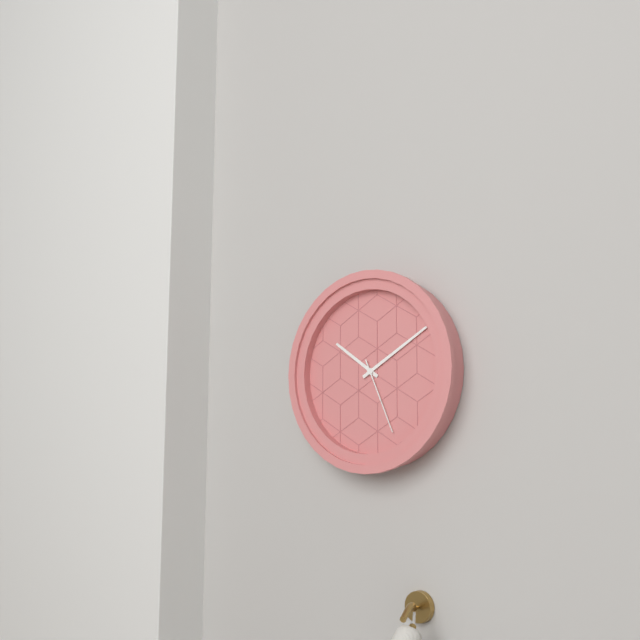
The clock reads 10h10m26s
